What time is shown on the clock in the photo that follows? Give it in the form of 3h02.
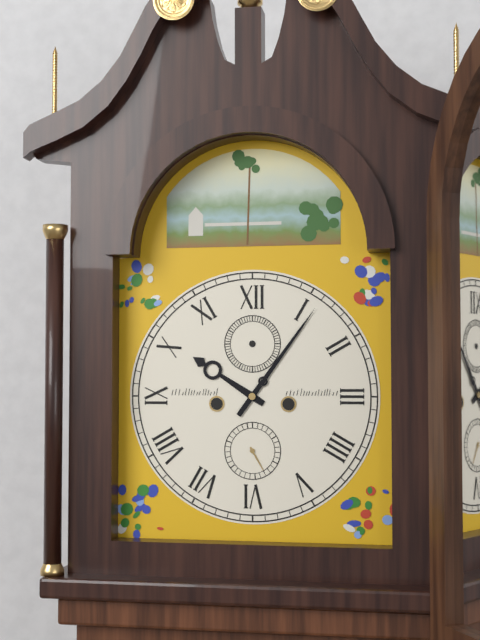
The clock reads 10h06
